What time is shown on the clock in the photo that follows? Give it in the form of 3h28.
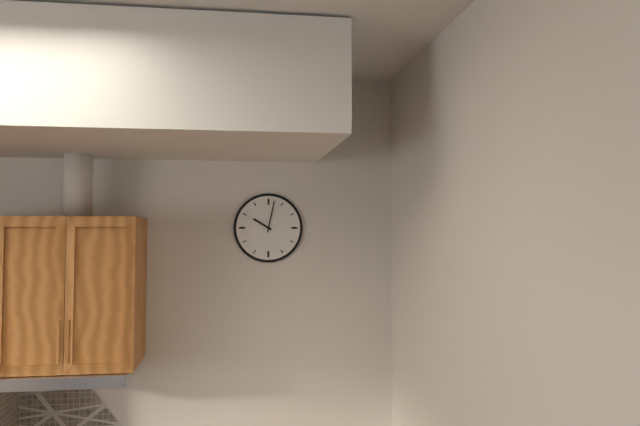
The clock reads 10h02
